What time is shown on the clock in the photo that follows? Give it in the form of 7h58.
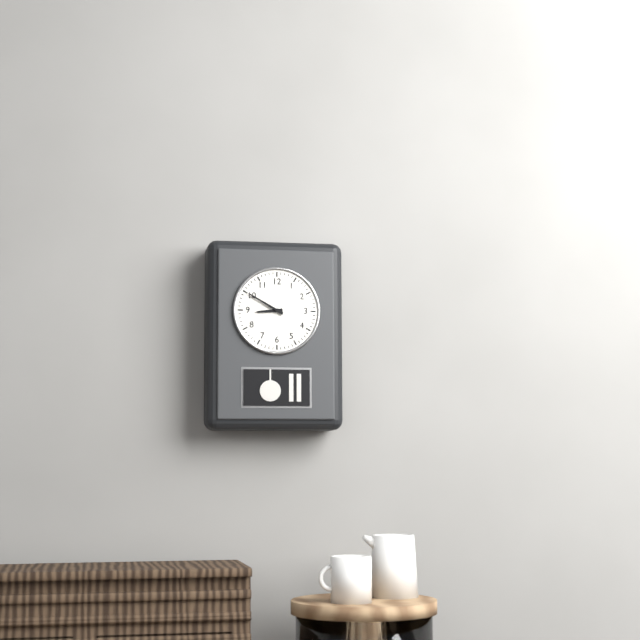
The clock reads 8h50
